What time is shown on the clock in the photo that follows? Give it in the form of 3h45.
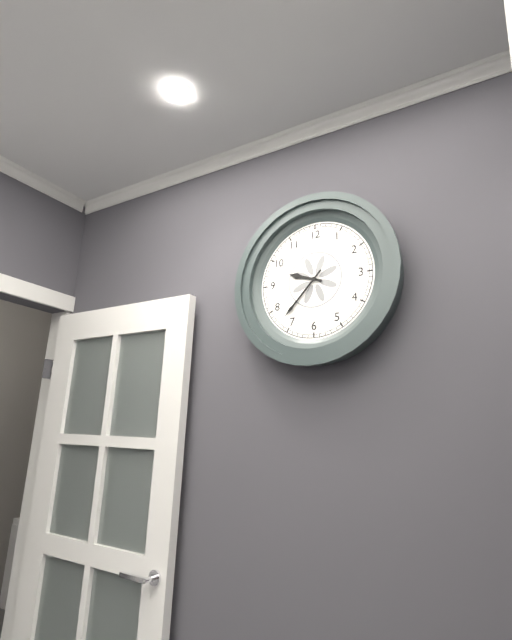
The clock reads 9h37
